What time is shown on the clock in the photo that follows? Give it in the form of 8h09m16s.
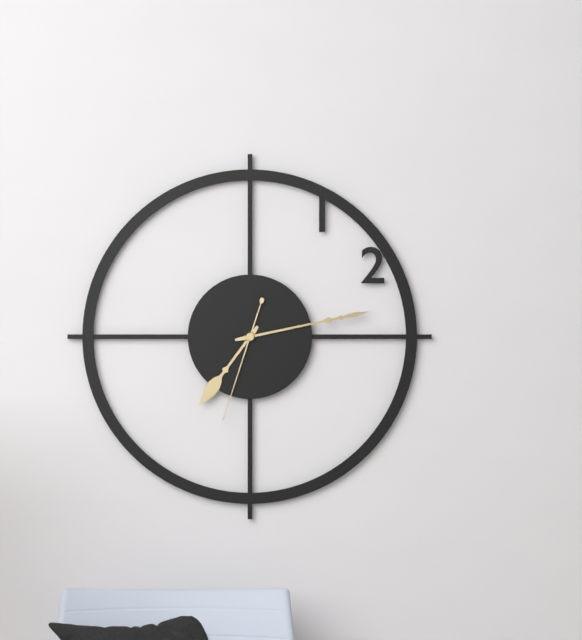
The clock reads 7h13m33s
